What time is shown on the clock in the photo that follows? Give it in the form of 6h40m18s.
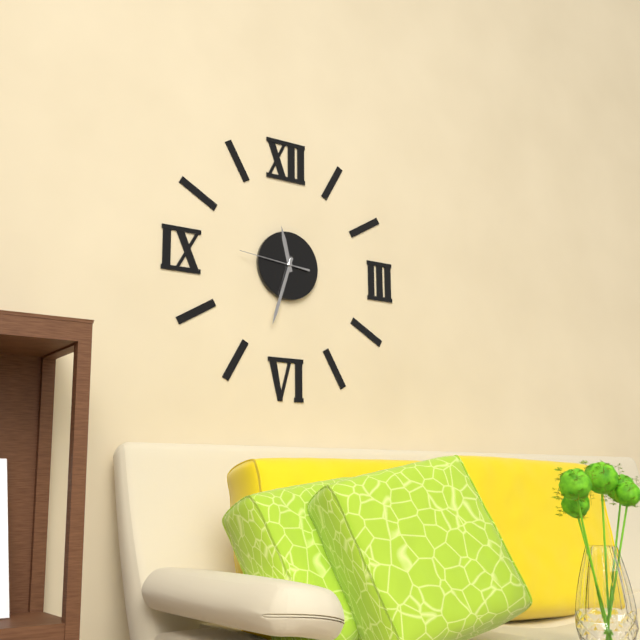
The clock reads 11h33m46s
